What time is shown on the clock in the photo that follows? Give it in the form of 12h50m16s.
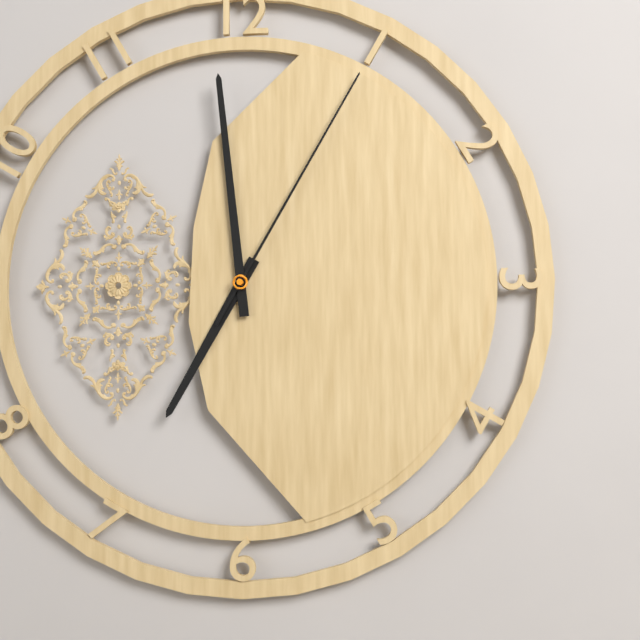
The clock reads 6h59m05s
